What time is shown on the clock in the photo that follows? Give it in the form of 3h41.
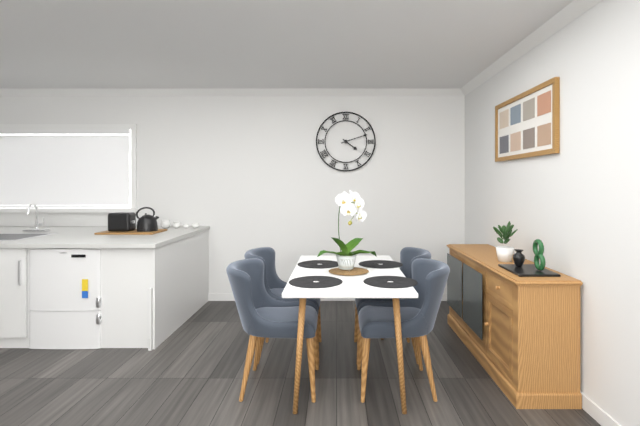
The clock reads 4h12
